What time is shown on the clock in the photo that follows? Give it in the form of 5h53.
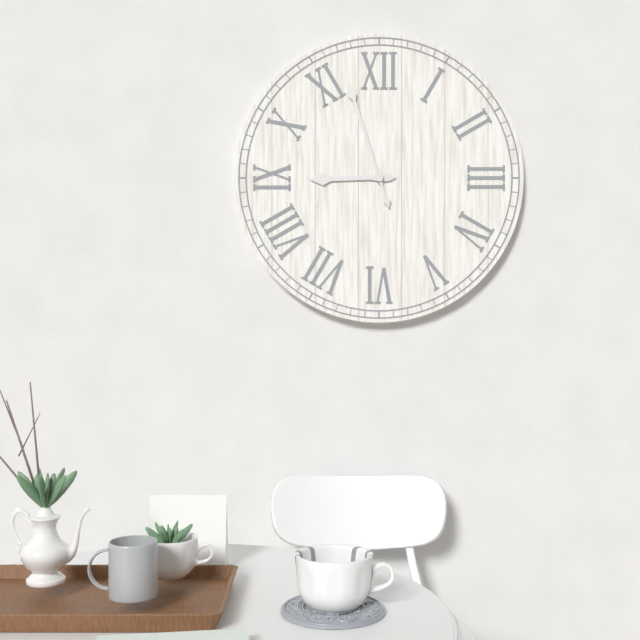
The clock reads 8h57
